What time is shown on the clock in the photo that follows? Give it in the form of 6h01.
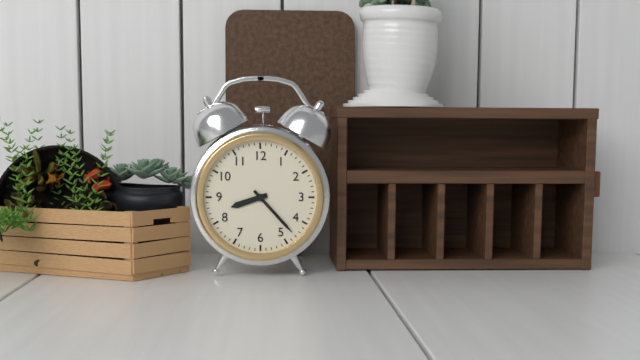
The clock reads 8h23
